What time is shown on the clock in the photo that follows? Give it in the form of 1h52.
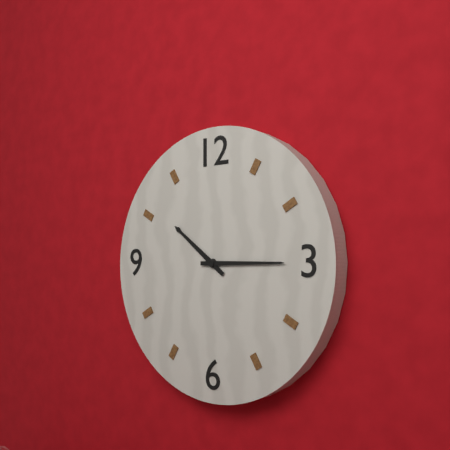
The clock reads 10h15
